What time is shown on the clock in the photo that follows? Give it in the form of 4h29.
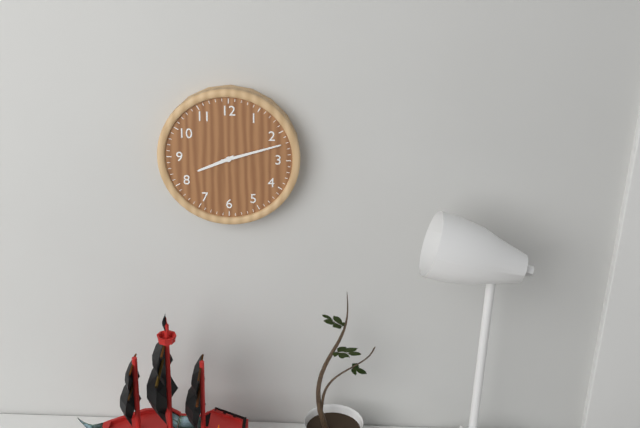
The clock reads 8h12
